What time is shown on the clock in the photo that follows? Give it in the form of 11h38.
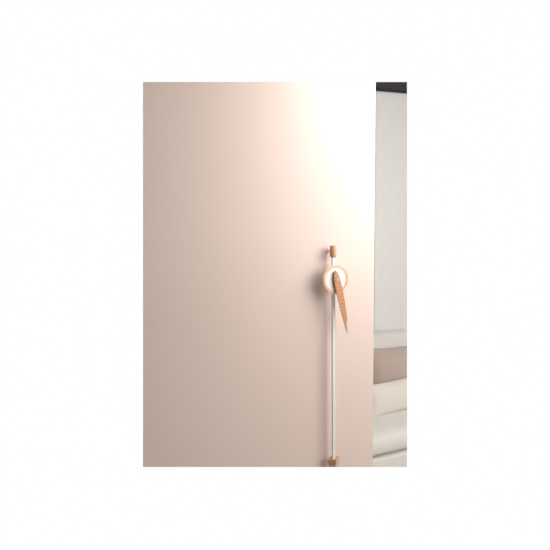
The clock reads 5h28
